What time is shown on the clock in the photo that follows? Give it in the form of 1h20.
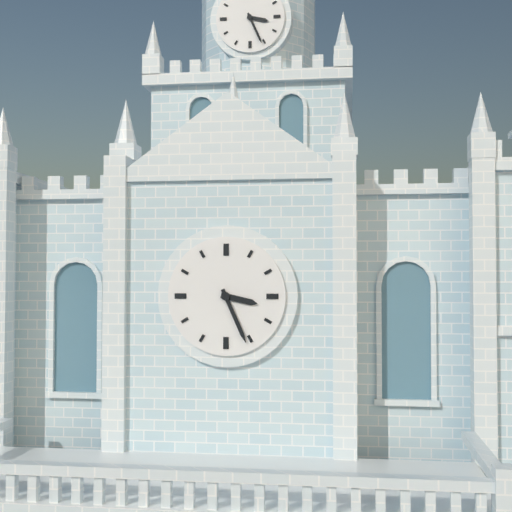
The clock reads 3h26
